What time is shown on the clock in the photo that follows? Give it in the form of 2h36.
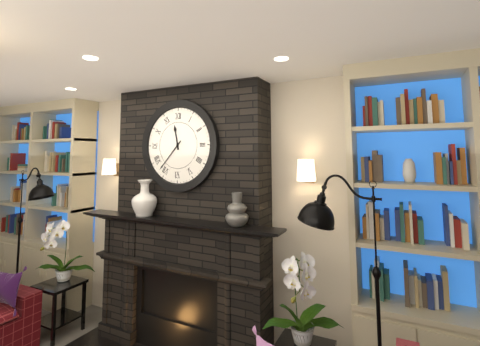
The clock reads 11h37
